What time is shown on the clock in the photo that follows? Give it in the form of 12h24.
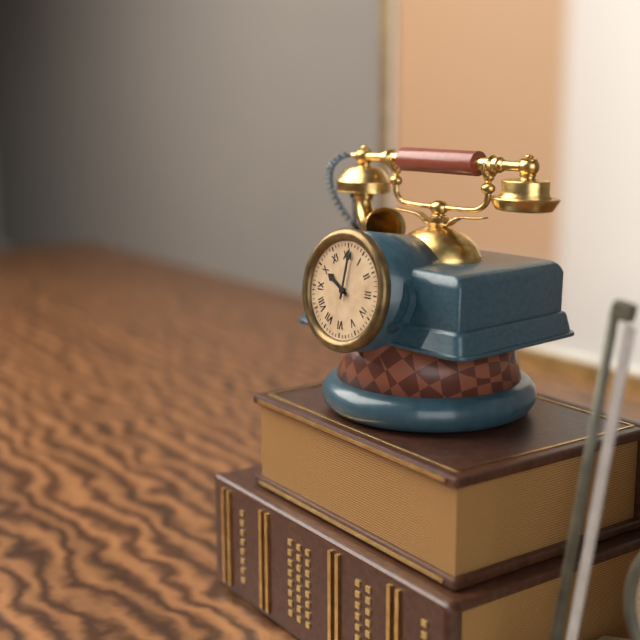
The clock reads 10h01
